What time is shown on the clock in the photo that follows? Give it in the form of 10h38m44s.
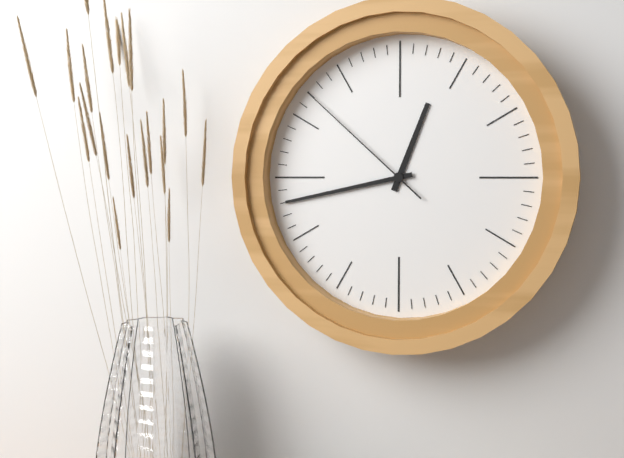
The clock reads 12h43m52s
